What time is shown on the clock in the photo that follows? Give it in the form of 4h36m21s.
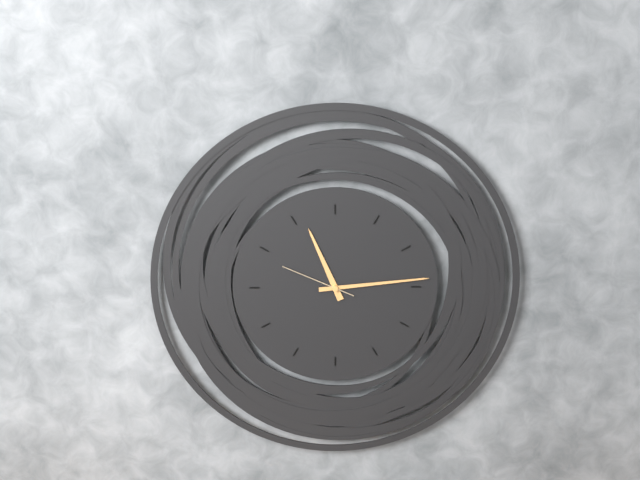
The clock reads 11h14m49s
